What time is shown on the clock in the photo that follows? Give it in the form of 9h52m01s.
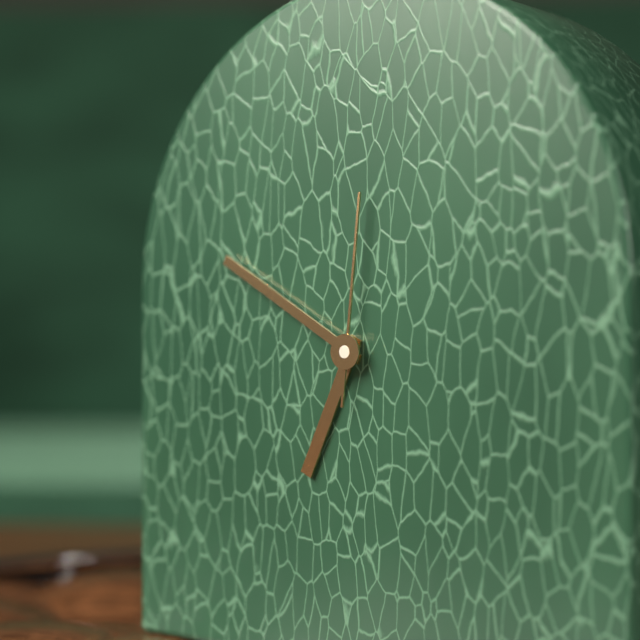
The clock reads 6h50m01s
